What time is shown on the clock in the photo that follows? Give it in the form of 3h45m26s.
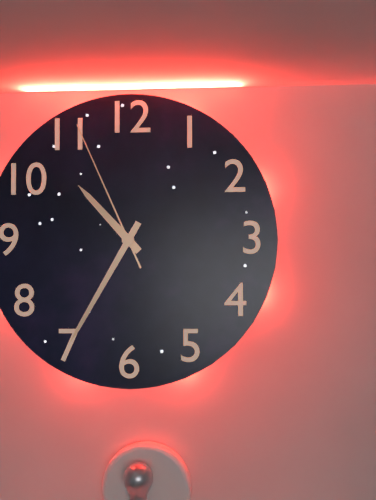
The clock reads 10h35m56s
